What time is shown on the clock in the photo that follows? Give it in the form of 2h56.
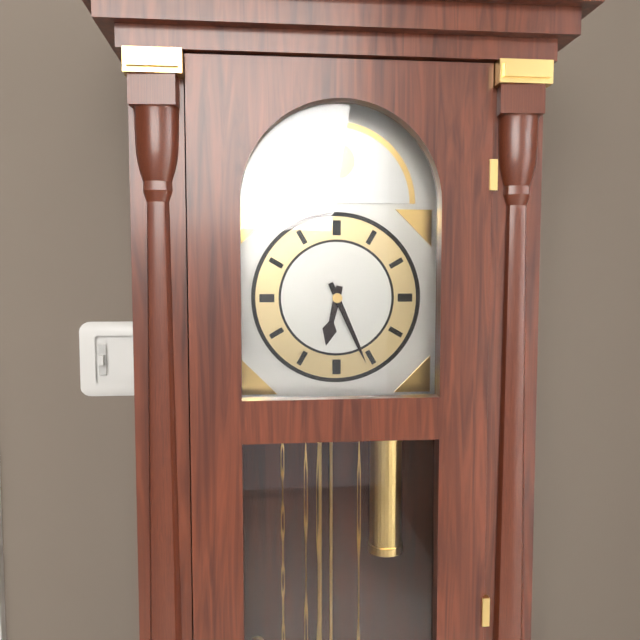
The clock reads 6h26
